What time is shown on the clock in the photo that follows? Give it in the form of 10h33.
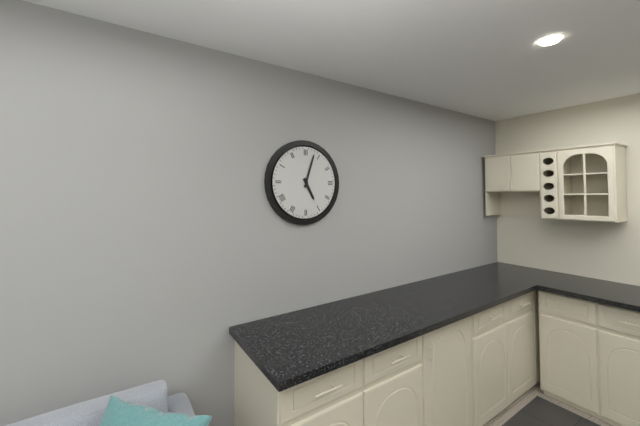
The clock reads 5h03
